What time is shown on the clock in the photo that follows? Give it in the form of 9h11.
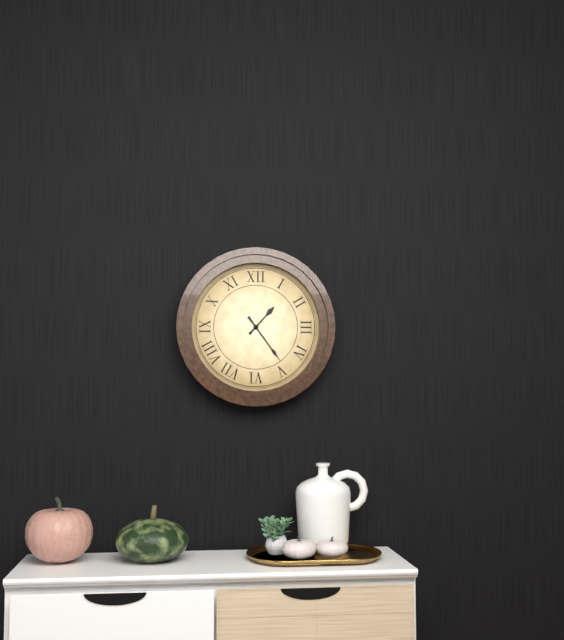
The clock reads 1h24
